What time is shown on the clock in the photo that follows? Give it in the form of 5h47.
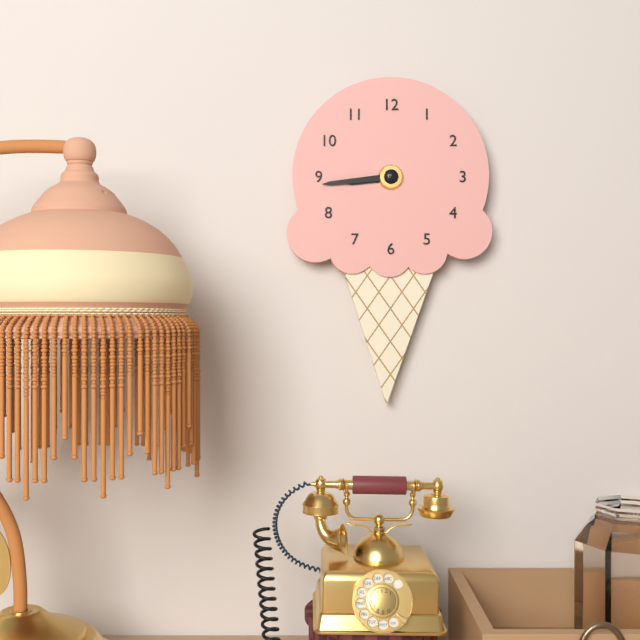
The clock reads 8h44
